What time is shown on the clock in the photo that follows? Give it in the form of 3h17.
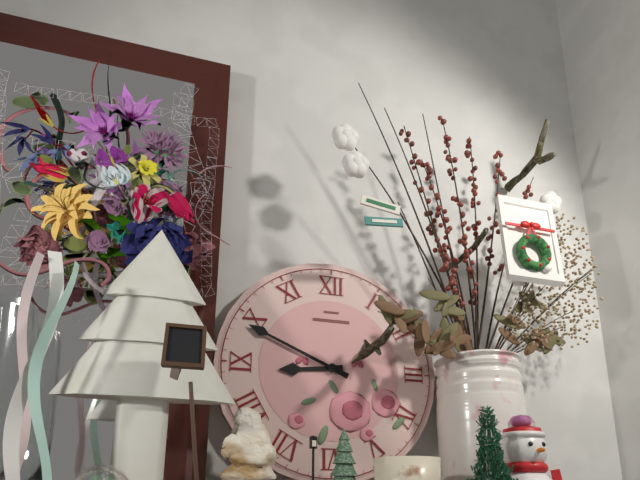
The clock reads 8h49
